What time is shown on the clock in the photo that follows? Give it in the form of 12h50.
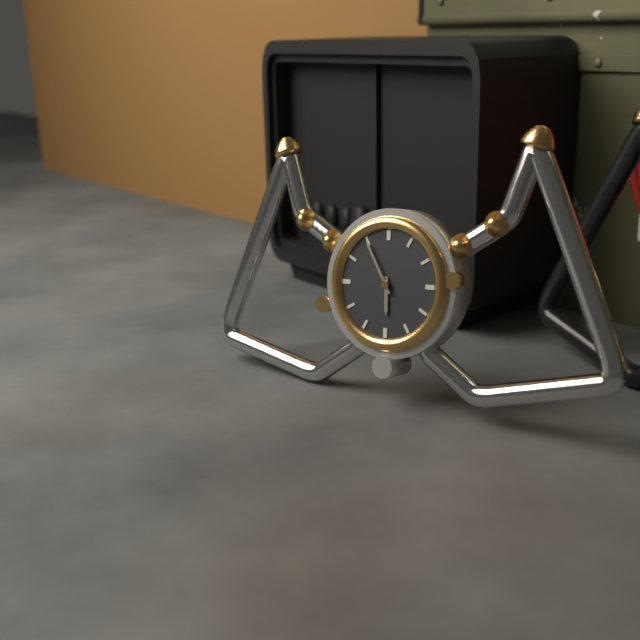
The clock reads 5h55
